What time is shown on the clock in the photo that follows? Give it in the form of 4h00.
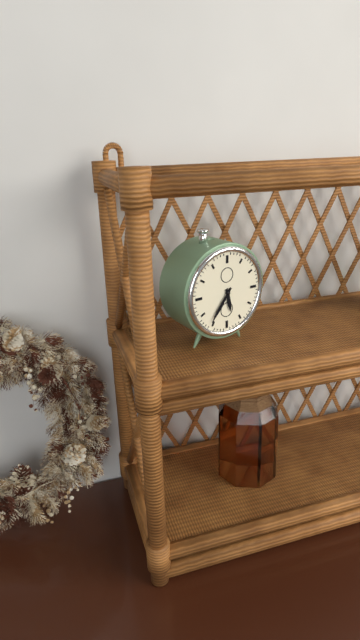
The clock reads 5h36
